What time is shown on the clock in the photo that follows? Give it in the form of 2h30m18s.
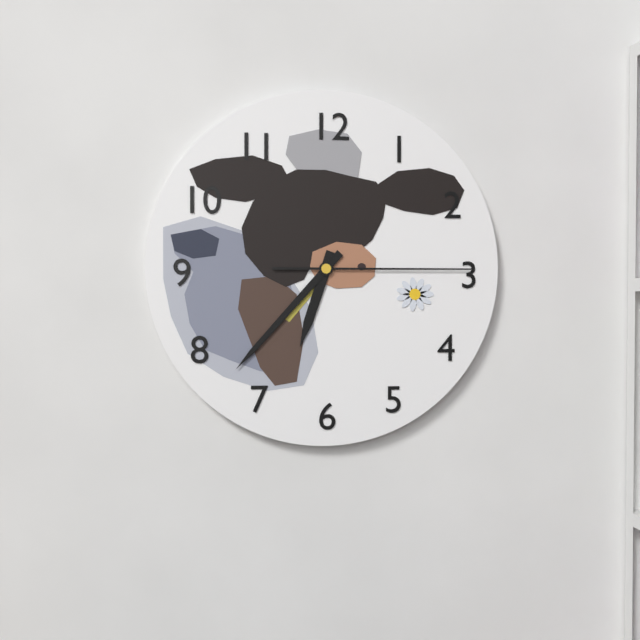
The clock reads 6h37m15s
